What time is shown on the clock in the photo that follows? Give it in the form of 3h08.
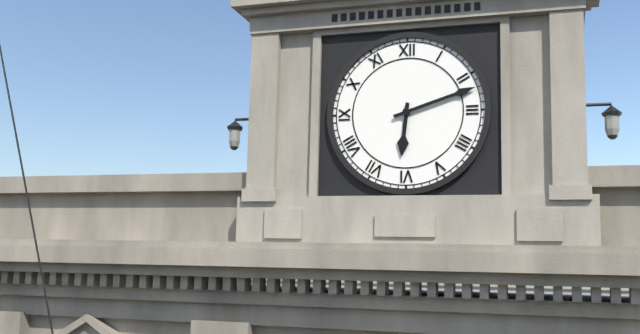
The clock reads 6h12
